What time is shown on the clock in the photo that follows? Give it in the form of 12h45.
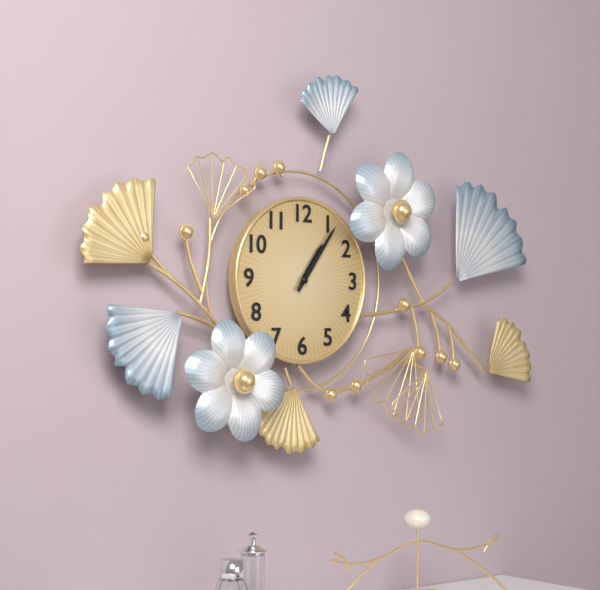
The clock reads 1h06
